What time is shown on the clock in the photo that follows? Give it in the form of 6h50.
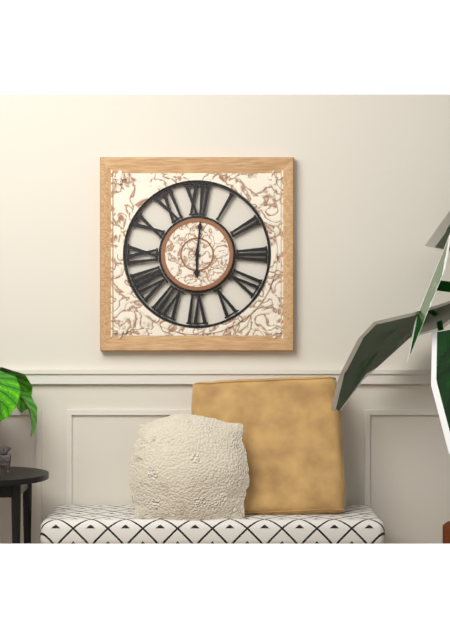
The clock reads 6h01
